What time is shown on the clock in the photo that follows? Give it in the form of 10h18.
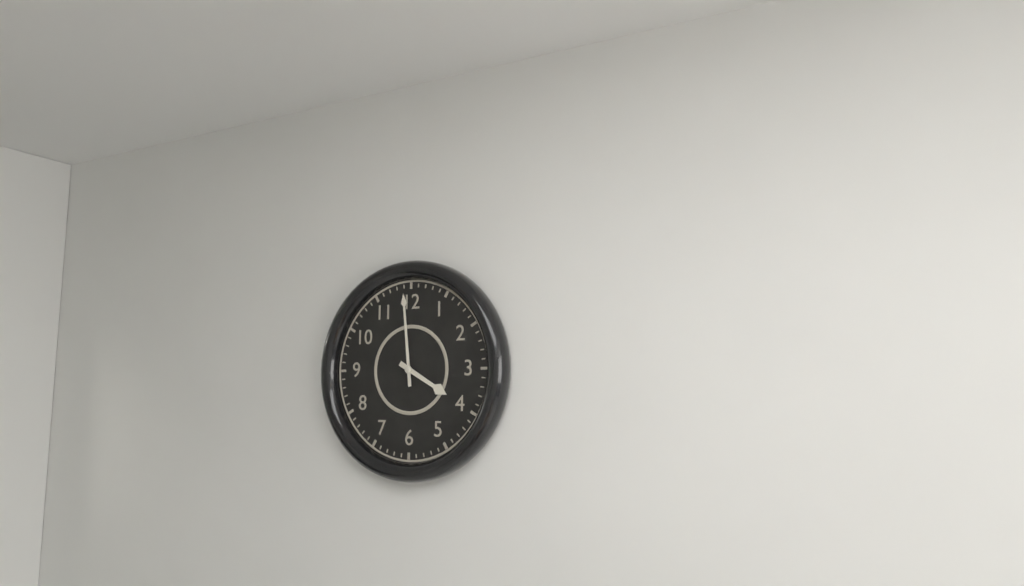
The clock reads 3h59
